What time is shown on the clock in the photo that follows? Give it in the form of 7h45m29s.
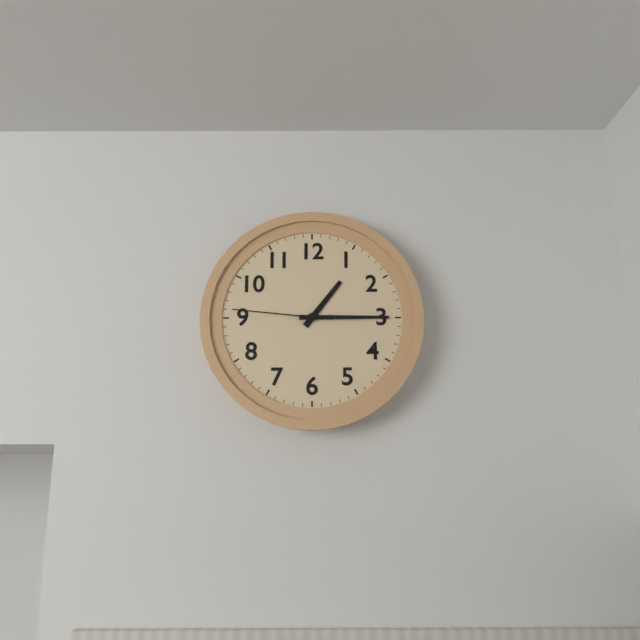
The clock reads 1h15m46s
